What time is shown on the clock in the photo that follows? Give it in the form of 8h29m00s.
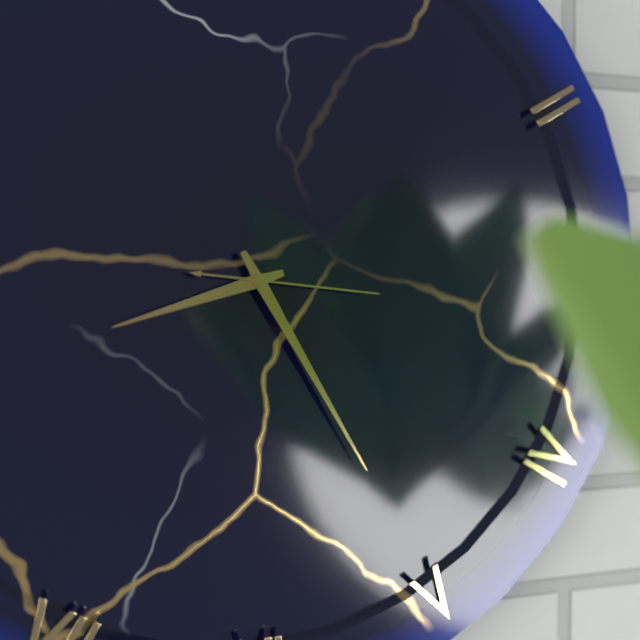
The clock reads 8h25m16s
